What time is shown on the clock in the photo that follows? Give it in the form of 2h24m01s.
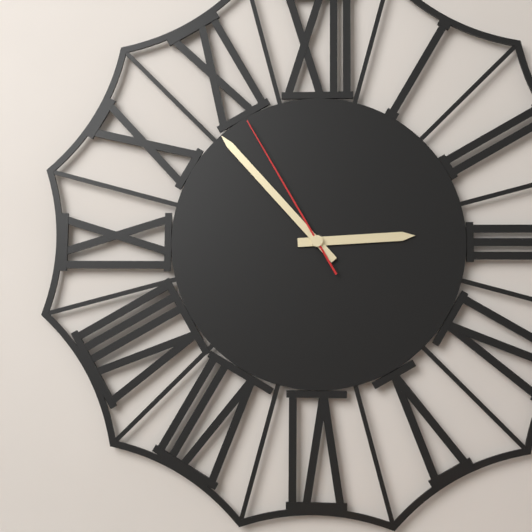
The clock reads 2h53m55s
